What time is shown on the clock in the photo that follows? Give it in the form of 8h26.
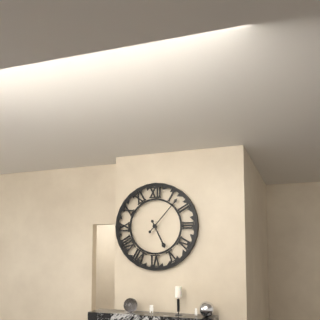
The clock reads 5h07
